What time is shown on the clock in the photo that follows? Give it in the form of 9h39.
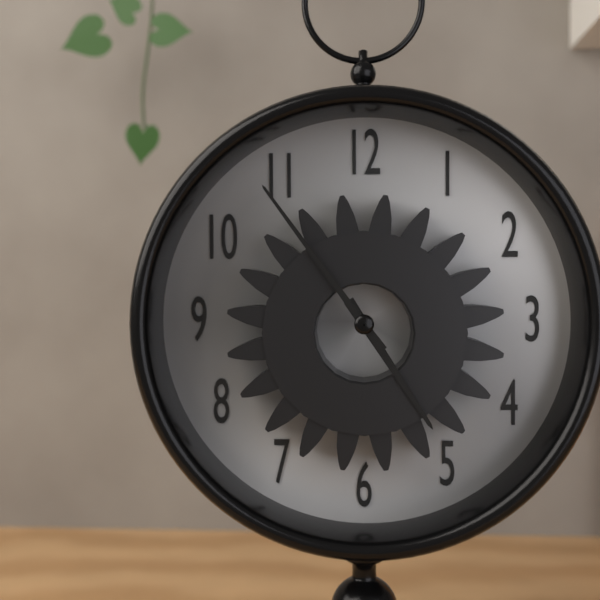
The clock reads 4h54
